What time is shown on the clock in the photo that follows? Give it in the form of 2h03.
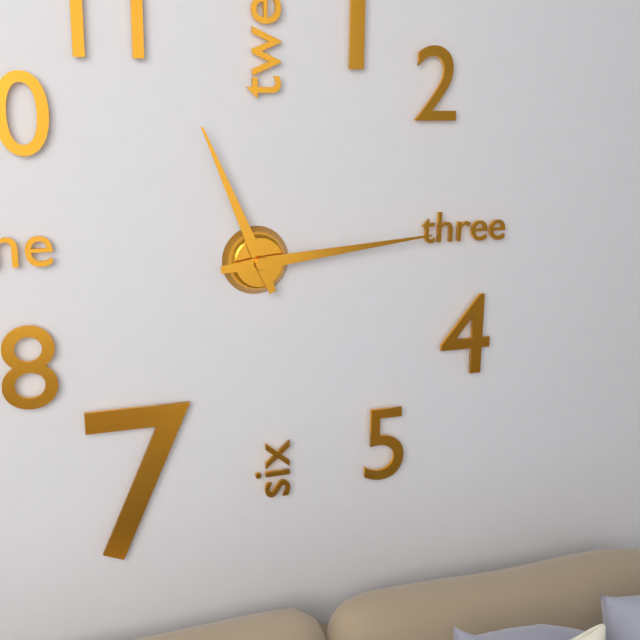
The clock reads 11h14
